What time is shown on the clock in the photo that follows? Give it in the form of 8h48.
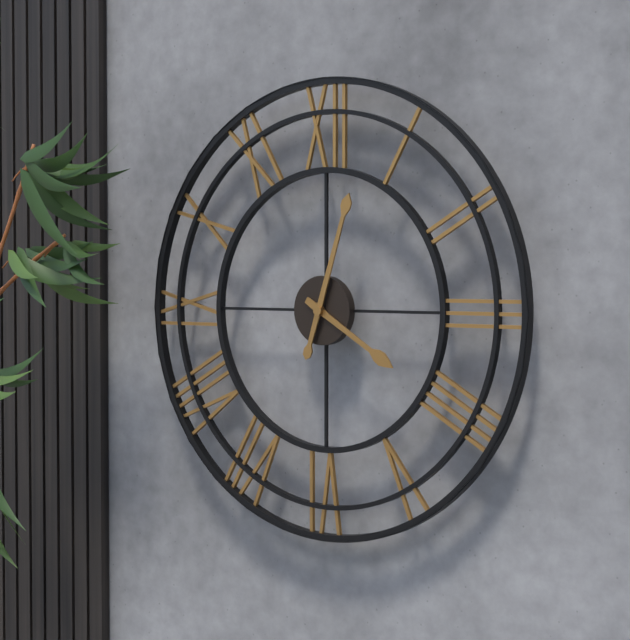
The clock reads 4h03
